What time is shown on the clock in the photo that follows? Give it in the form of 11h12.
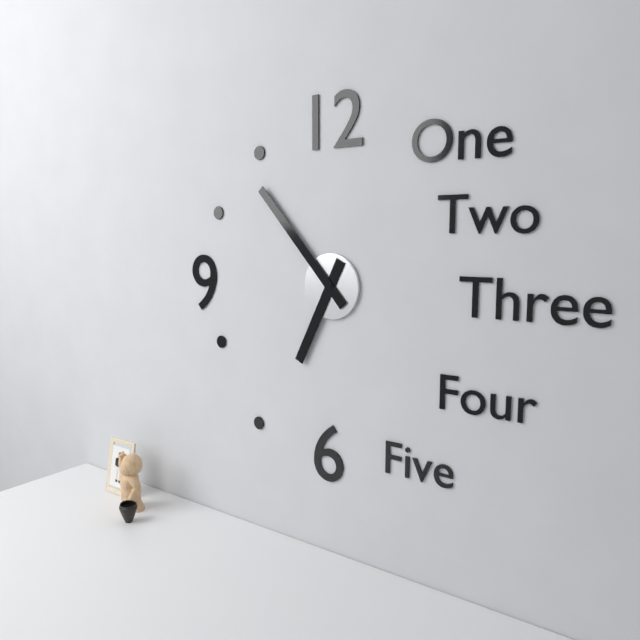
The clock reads 6h53
